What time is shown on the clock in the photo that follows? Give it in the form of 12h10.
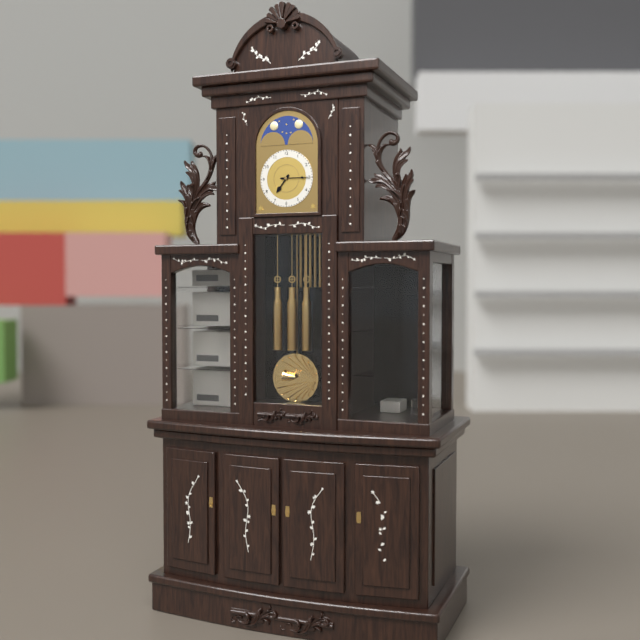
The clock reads 7h15
